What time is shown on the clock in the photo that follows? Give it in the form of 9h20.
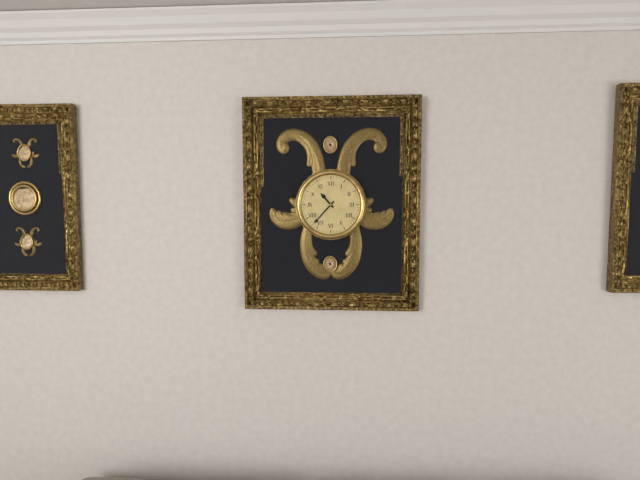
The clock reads 10h37
